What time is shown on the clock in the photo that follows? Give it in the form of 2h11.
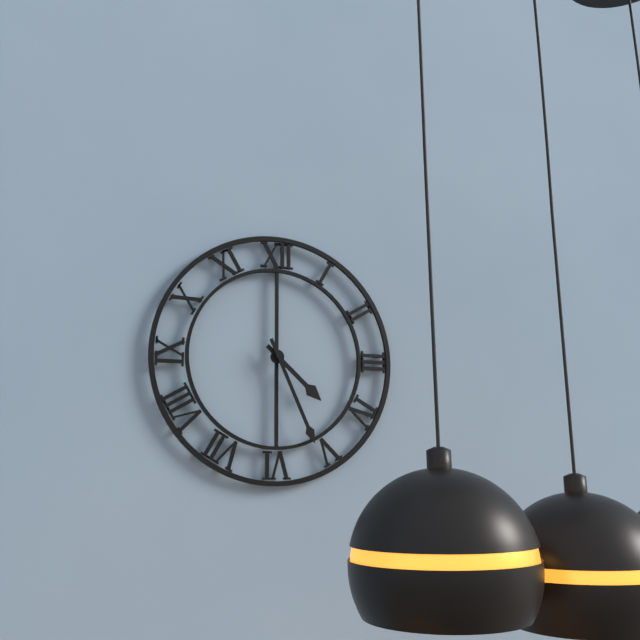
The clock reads 4h26
